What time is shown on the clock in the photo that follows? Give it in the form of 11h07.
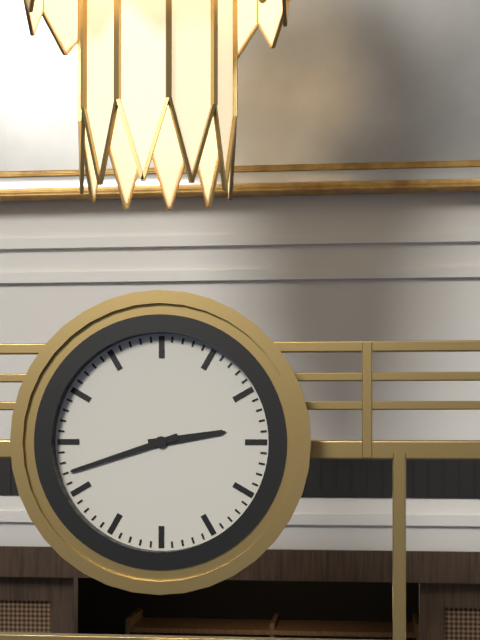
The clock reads 2h42
